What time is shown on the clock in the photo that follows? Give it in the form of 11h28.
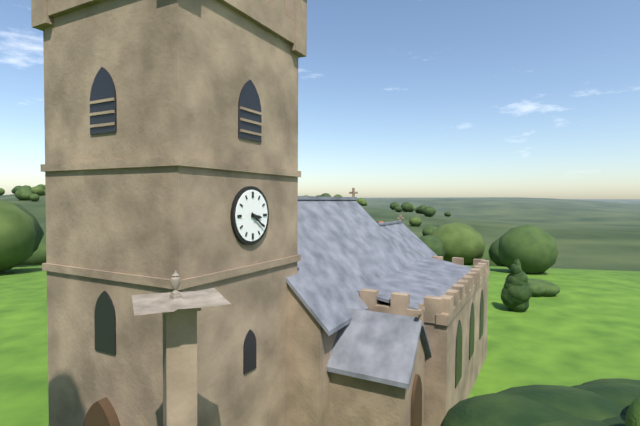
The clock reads 3h21
